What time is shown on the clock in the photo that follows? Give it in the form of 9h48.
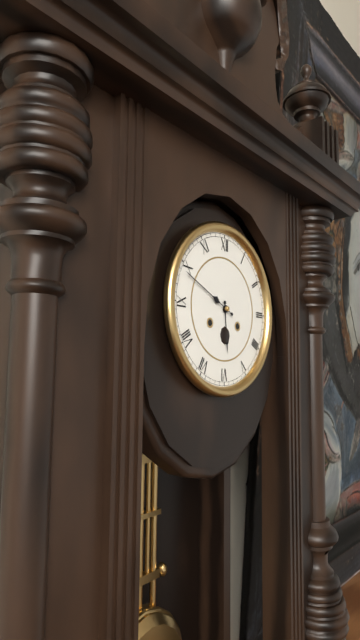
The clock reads 5h49
